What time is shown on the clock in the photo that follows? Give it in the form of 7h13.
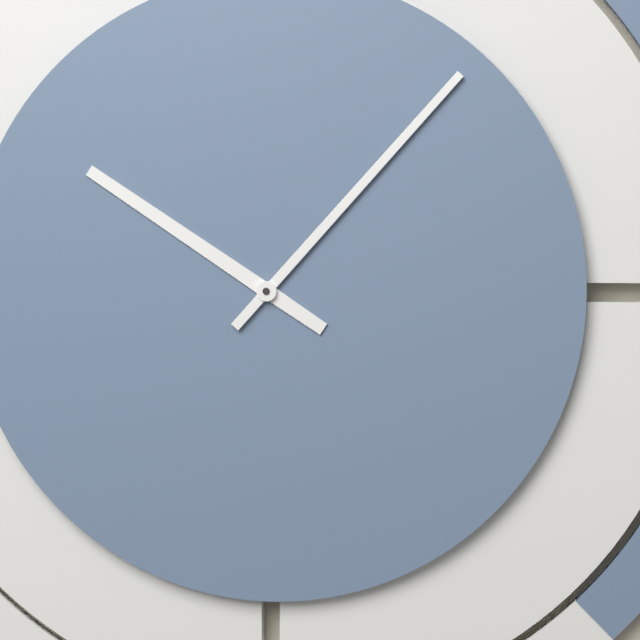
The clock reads 10h07
